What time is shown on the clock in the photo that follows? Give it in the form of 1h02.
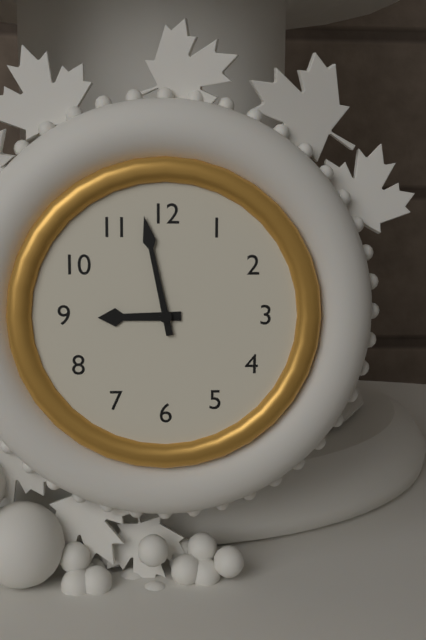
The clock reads 8h58
